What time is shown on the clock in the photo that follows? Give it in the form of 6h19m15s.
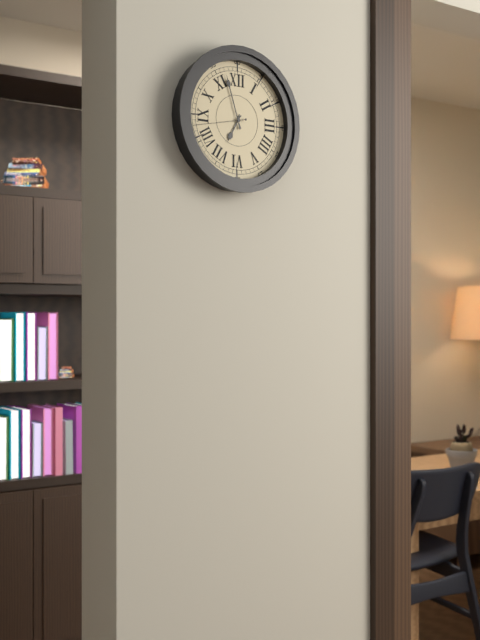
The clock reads 6h57m43s
